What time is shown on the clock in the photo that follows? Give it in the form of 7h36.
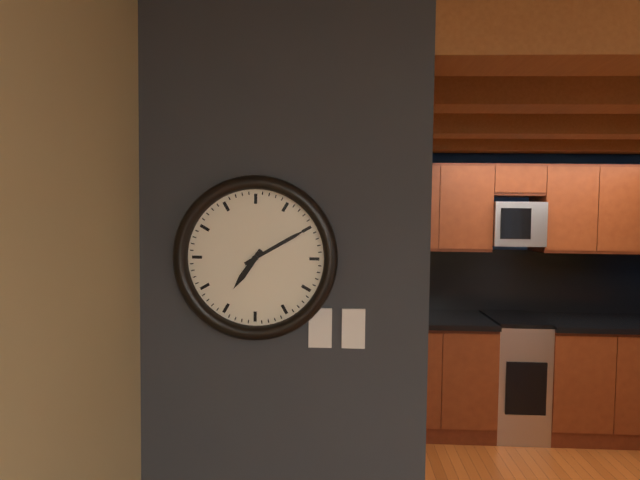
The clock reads 7h10
